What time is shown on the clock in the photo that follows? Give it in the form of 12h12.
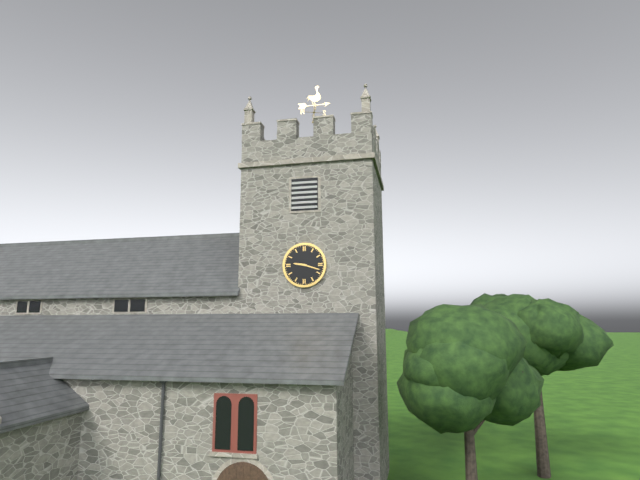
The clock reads 9h18
